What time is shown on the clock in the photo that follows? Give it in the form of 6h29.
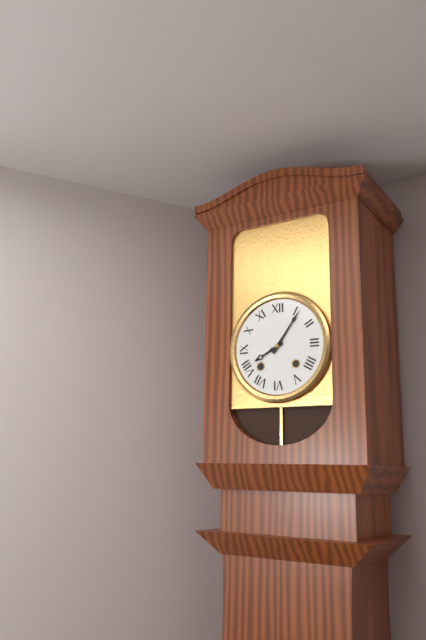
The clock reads 8h06
